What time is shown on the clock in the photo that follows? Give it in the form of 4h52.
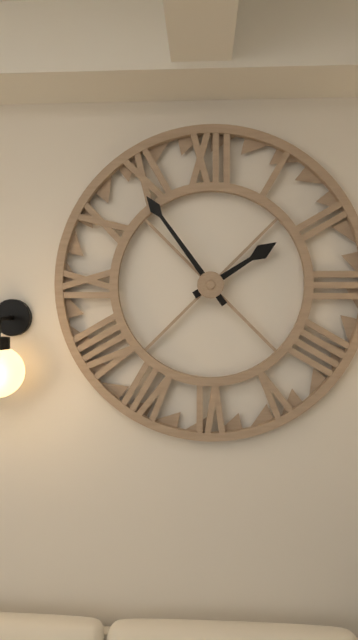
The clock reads 1h54
